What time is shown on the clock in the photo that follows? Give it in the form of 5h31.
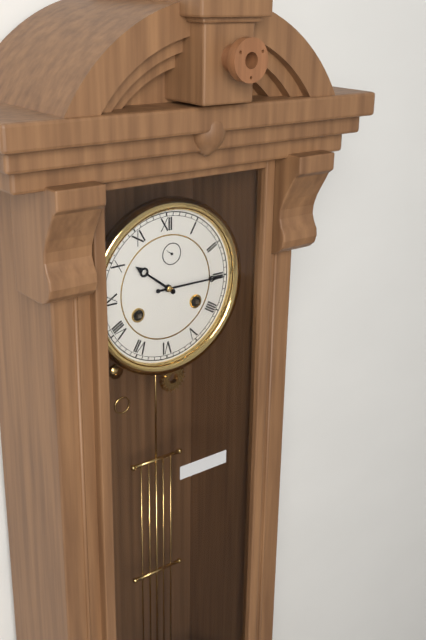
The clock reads 10h15
